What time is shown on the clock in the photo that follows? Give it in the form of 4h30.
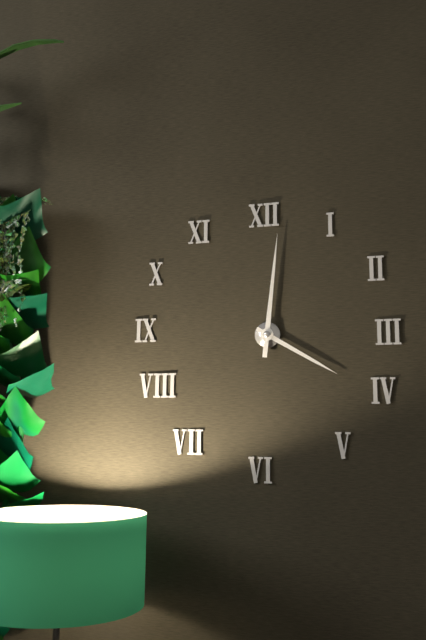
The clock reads 4h01
